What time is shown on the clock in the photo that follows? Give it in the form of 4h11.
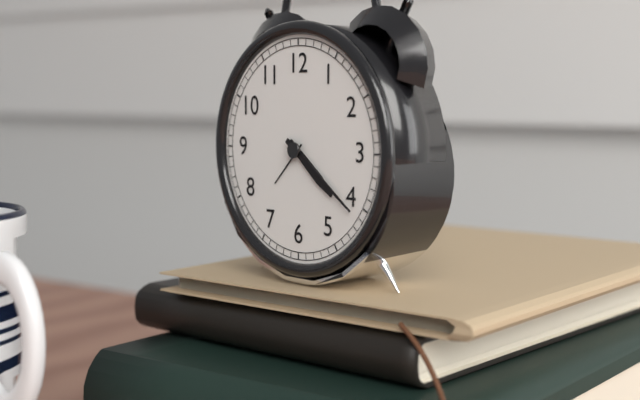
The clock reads 4h21
